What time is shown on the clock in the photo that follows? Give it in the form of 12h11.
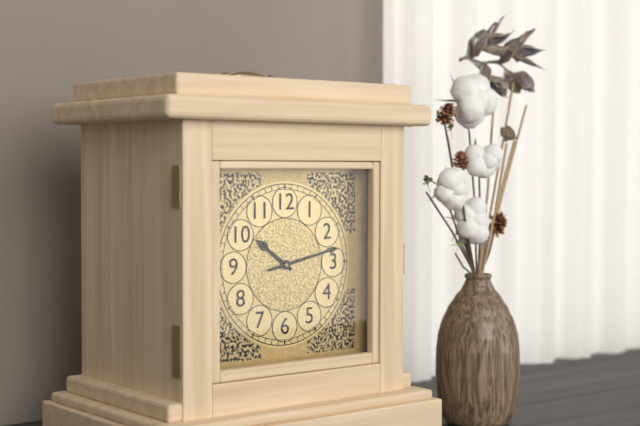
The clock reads 10h13
